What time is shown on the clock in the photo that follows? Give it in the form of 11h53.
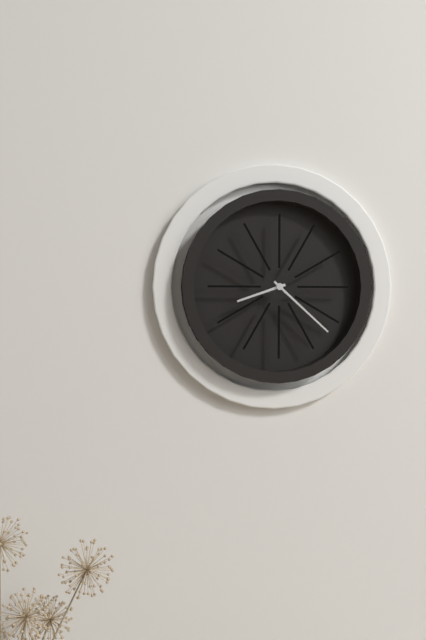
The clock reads 8h22
